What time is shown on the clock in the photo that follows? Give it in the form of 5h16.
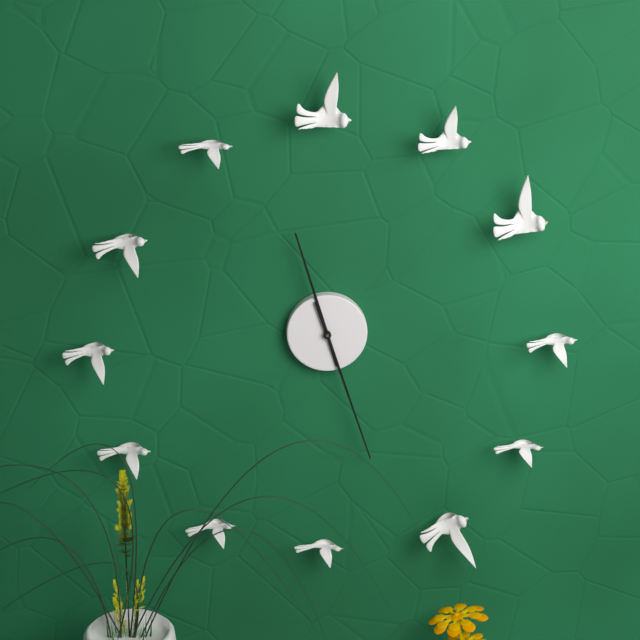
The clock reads 11h27
